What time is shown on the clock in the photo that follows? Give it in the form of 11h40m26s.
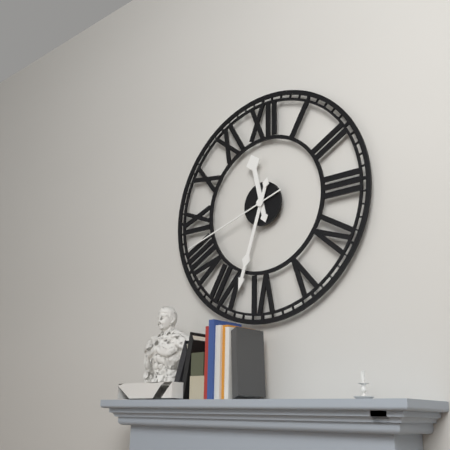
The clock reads 11h33m42s
